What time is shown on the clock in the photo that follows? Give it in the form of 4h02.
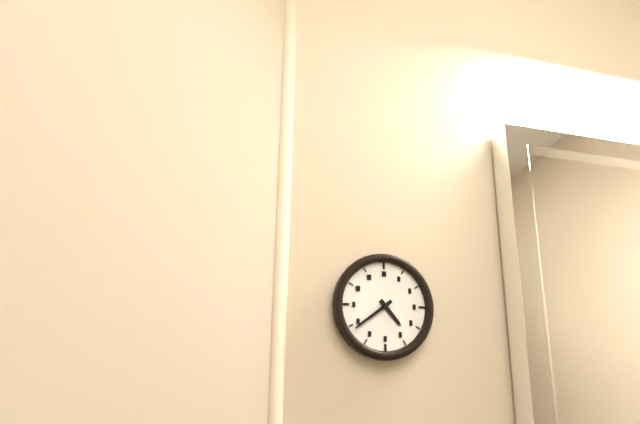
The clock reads 4h39
